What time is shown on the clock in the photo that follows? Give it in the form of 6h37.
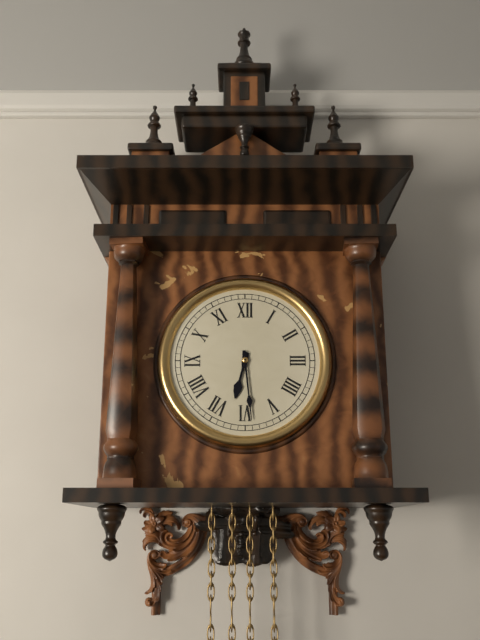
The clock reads 6h29
